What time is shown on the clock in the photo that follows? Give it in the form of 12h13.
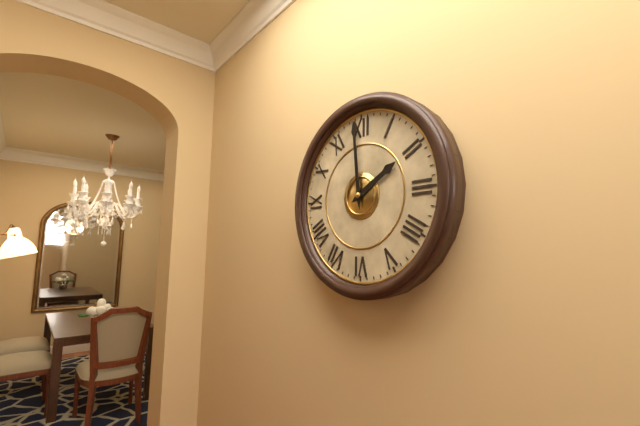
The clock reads 1h59
